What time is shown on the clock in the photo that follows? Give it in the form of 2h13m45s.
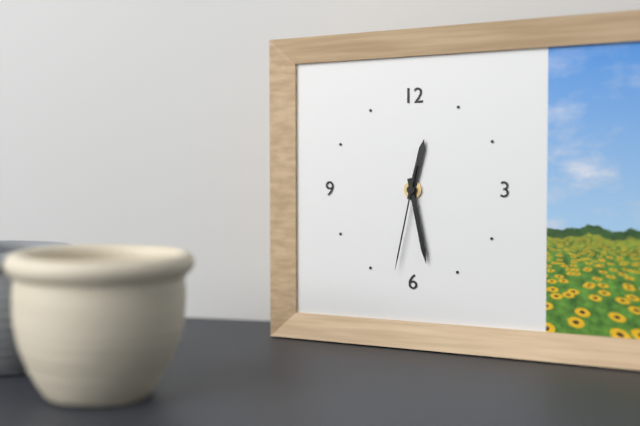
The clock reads 12h28m32s
